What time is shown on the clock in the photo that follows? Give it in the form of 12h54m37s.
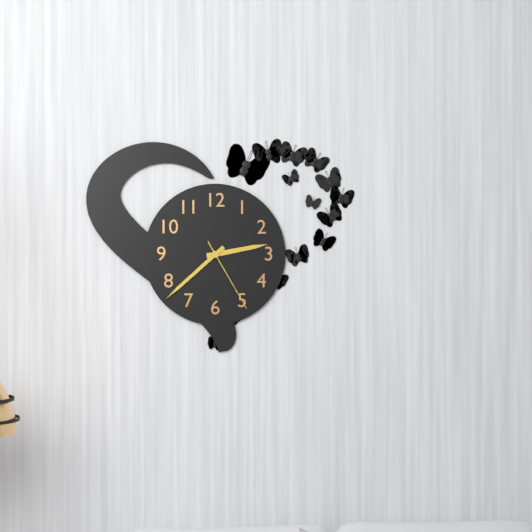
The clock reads 2h38m25s
